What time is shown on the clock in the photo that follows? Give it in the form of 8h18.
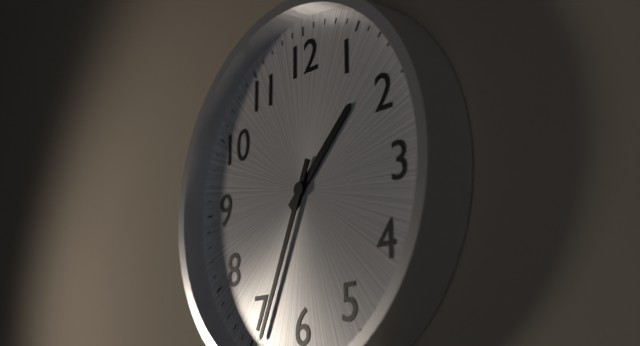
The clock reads 1h34
